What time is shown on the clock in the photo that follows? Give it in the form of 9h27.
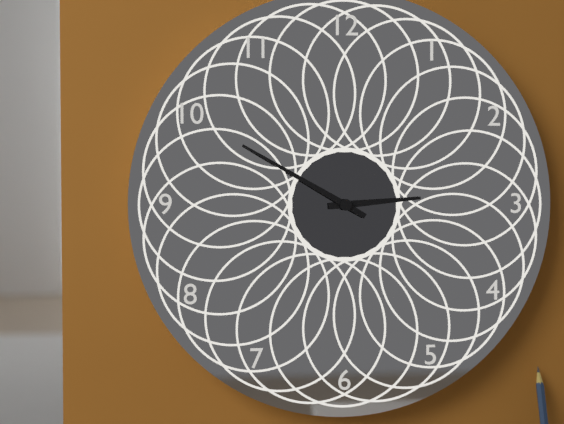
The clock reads 2h50
